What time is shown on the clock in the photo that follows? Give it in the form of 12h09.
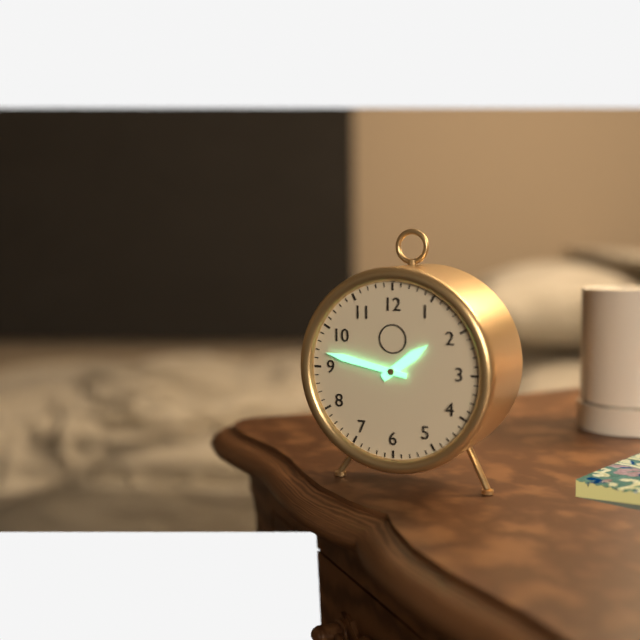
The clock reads 1h47
